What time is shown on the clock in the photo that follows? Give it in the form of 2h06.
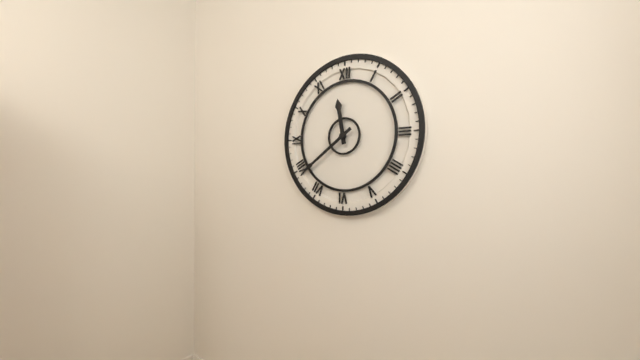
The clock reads 11h39
